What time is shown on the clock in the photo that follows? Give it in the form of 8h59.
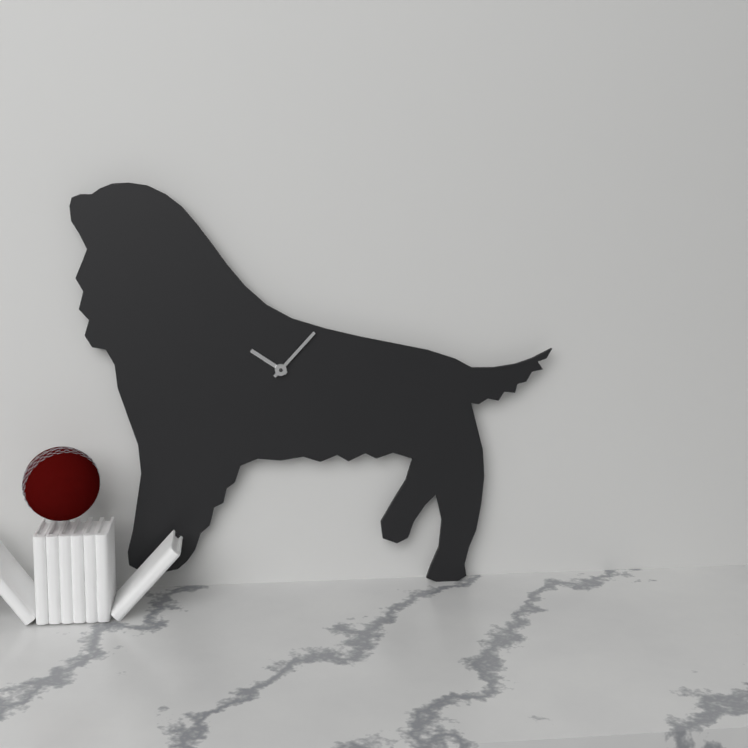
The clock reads 10h07
